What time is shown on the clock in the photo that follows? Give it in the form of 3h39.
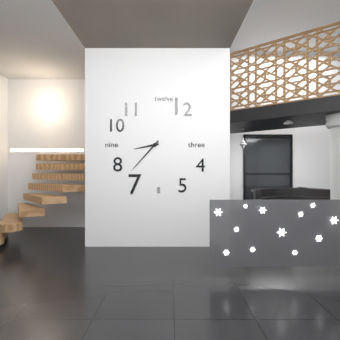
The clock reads 8h37
